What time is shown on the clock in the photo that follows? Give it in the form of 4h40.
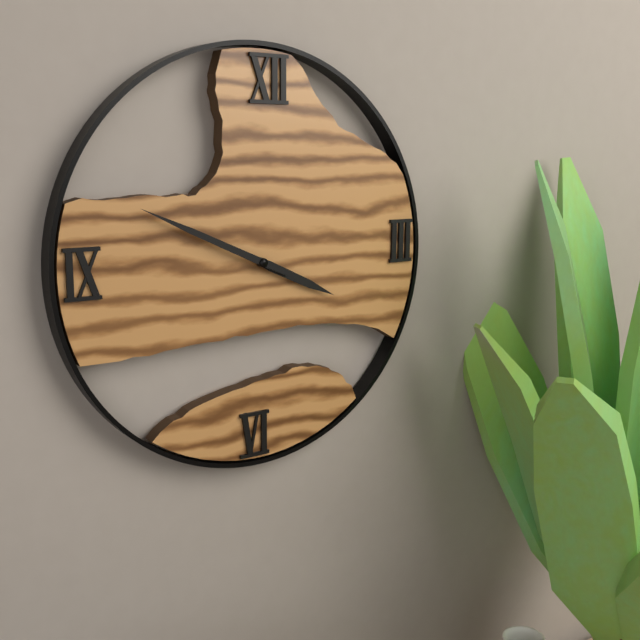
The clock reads 3h49
